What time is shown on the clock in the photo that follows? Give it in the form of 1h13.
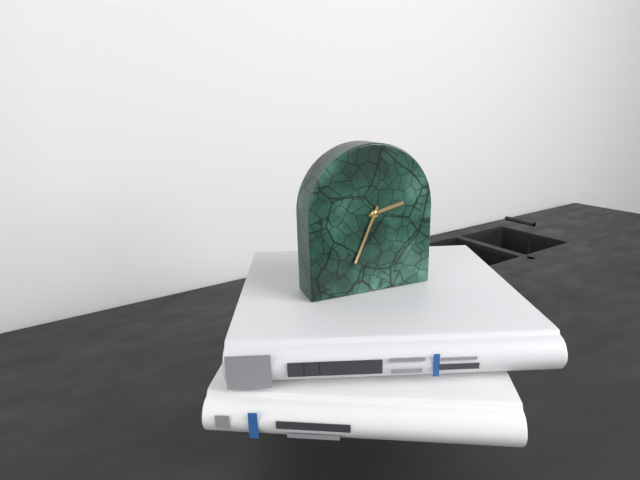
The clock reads 2h34
